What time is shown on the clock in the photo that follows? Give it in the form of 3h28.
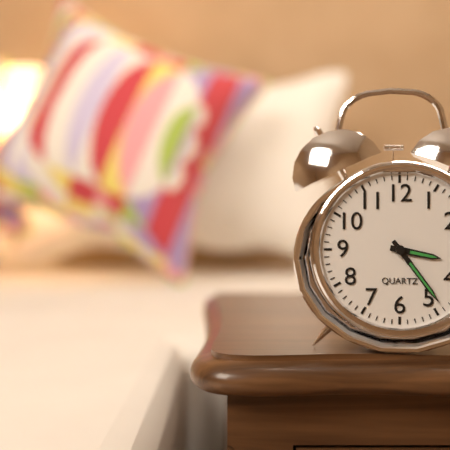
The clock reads 3h24
